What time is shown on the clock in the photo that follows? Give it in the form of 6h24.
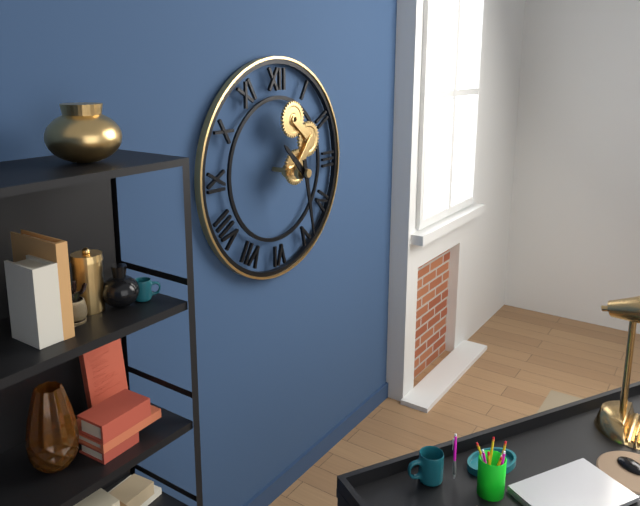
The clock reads 10h28
